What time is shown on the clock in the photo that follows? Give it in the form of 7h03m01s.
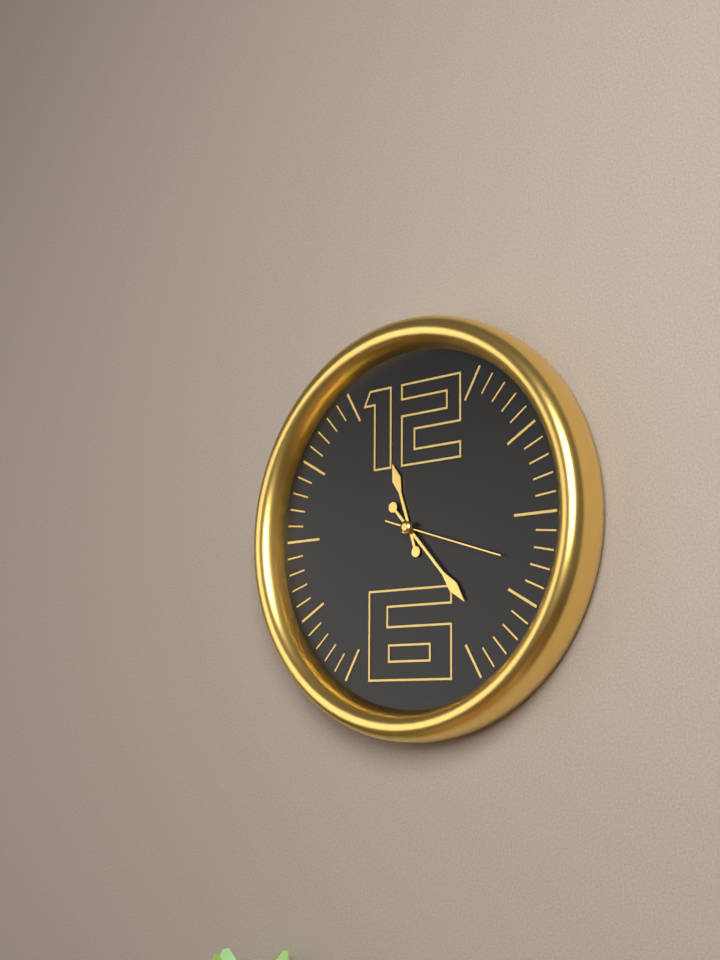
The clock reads 11h23m18s
